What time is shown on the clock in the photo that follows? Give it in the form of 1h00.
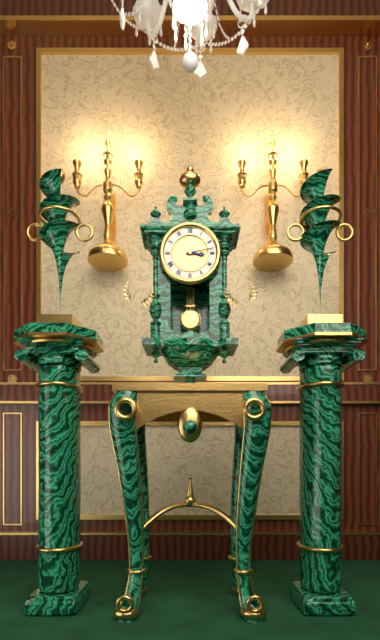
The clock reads 3h13
